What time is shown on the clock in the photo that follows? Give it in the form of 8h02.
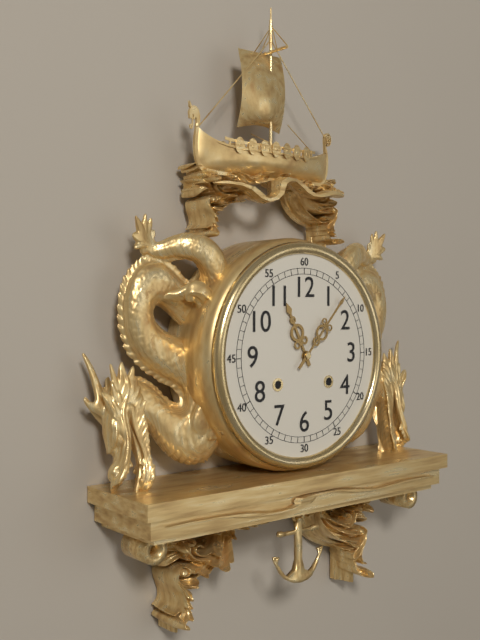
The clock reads 11h07
